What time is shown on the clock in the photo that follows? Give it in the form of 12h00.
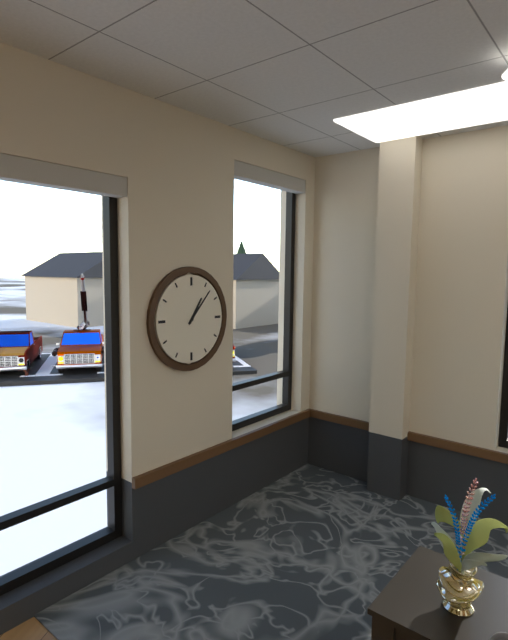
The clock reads 1h07
